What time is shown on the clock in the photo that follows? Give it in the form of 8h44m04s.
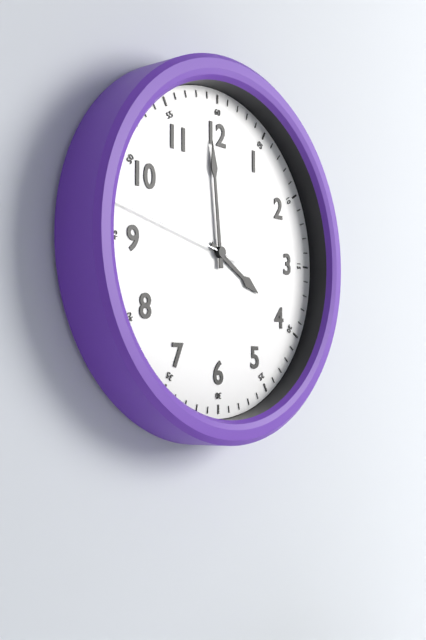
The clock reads 3h59m47s
